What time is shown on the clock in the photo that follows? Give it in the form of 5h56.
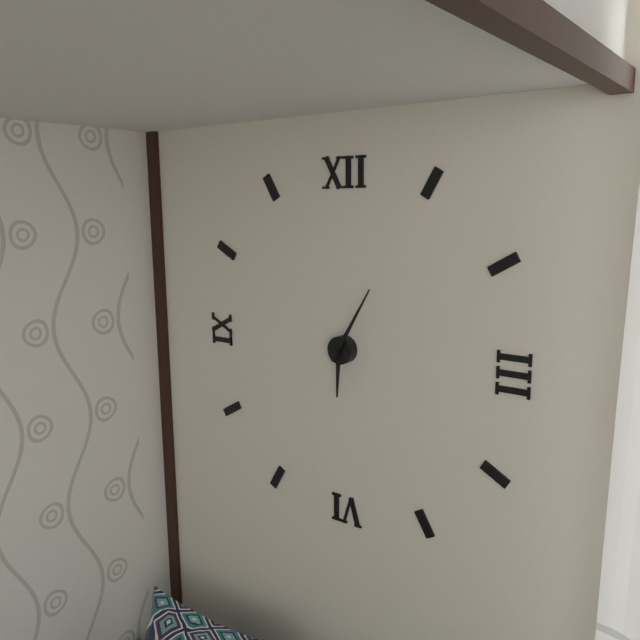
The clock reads 6h05
